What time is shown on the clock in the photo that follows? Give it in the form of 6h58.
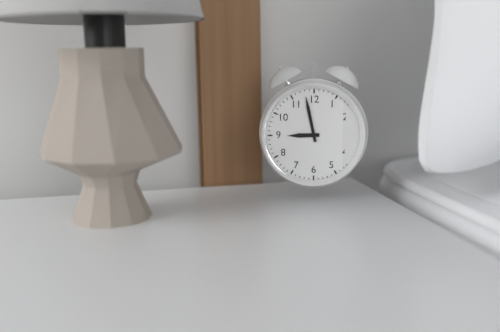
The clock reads 8h58
